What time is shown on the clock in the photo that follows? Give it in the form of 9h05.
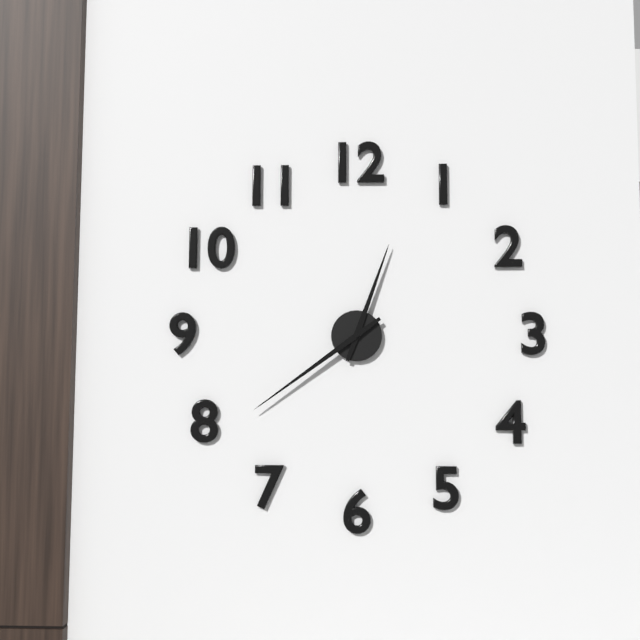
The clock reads 12h39
